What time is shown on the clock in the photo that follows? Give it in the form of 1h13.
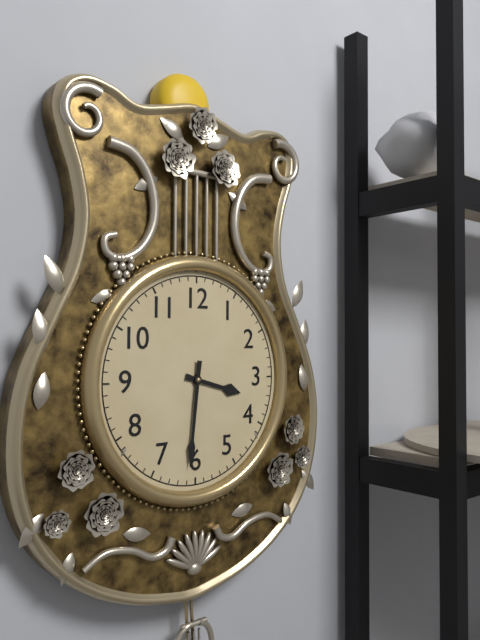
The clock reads 3h31
